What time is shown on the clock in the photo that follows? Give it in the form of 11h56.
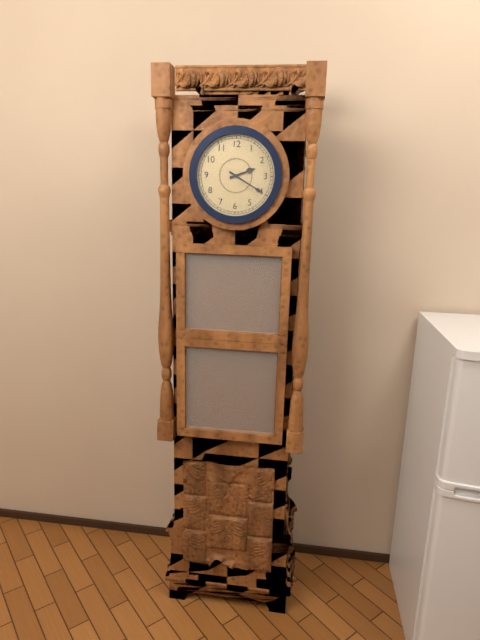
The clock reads 2h20
